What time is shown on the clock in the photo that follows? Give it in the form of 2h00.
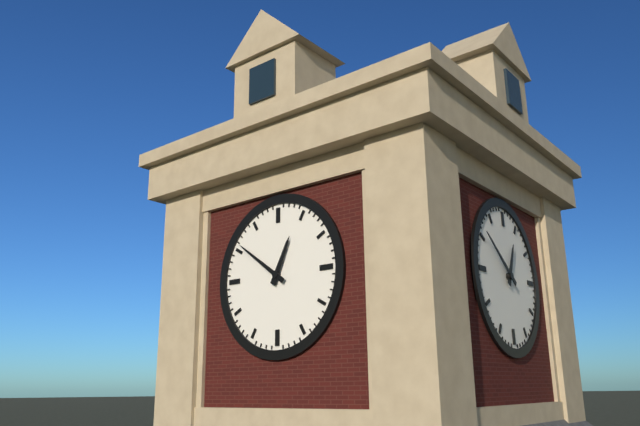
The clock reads 12h51
